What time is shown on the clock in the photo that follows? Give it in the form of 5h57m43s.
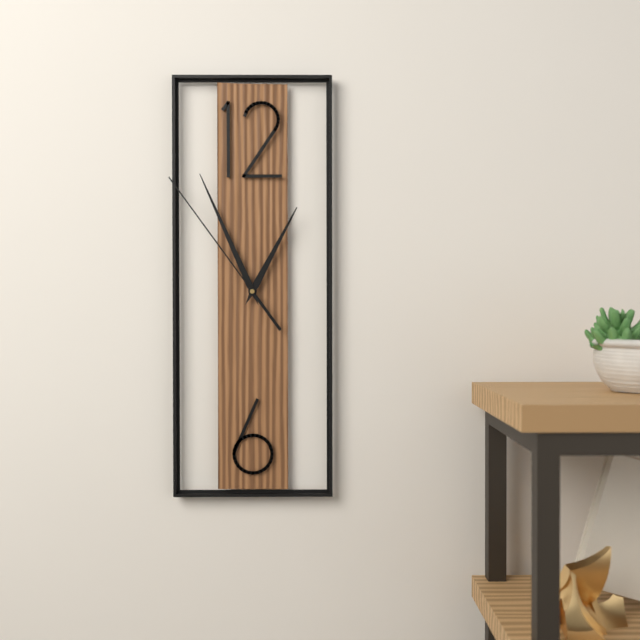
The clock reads 12h56m54s
